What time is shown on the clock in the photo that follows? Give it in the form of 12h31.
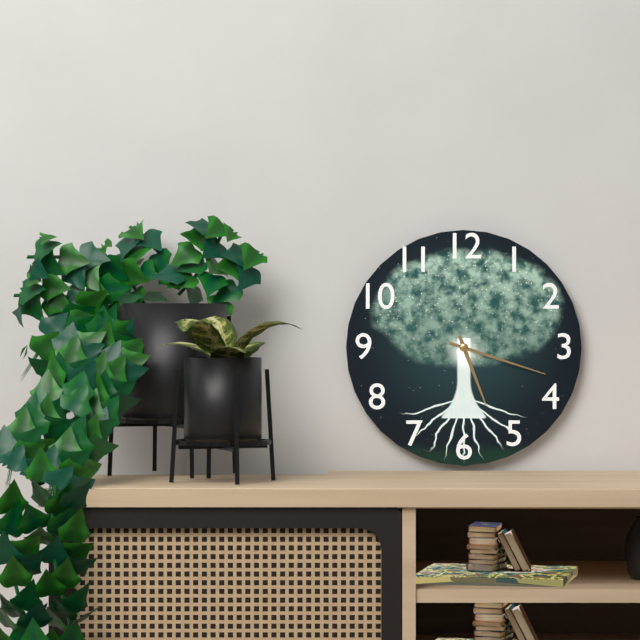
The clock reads 5h18
